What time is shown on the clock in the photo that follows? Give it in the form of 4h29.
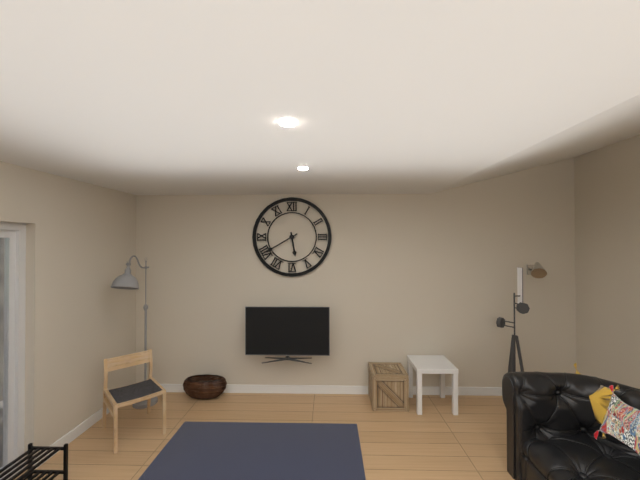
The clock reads 5h40
